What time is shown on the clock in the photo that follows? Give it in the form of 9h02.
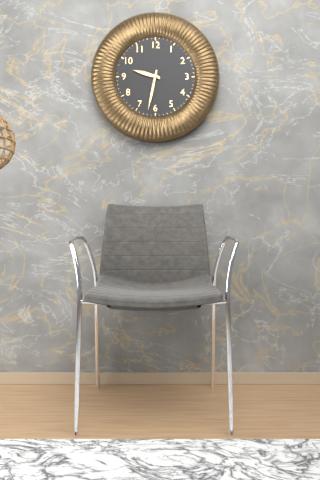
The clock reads 9h32
